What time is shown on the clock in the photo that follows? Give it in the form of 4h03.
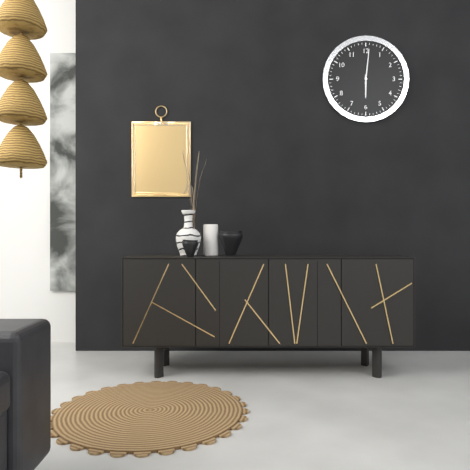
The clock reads 6h01
